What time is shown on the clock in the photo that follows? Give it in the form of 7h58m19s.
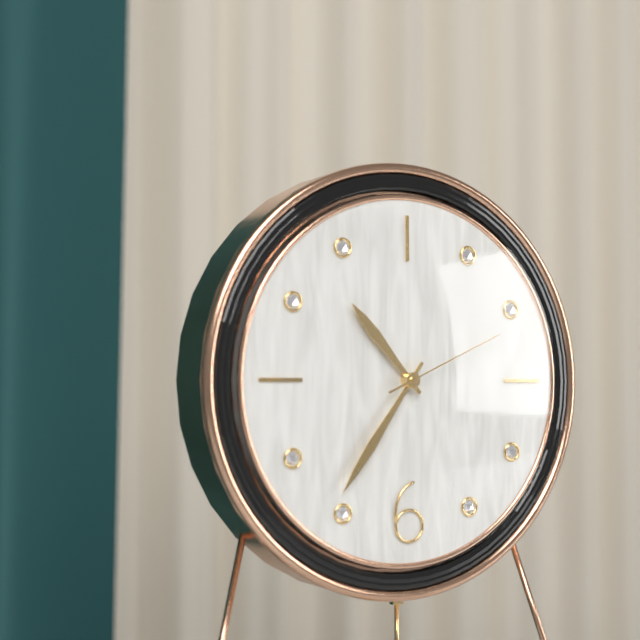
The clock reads 10h36m11s
